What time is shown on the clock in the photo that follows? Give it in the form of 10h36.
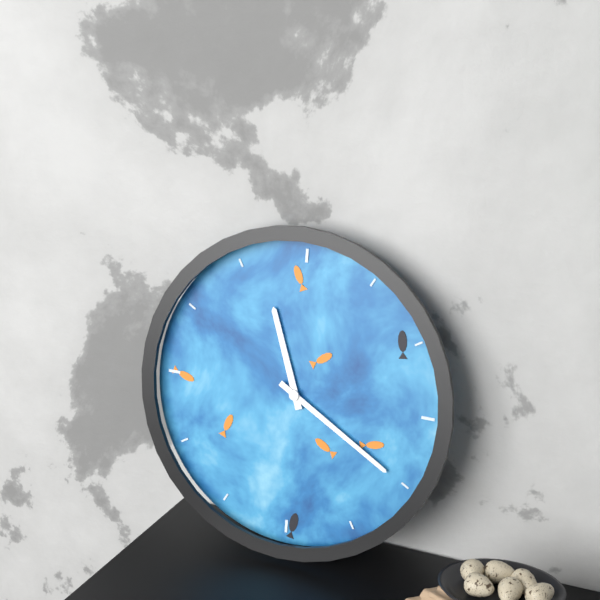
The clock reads 11h20
